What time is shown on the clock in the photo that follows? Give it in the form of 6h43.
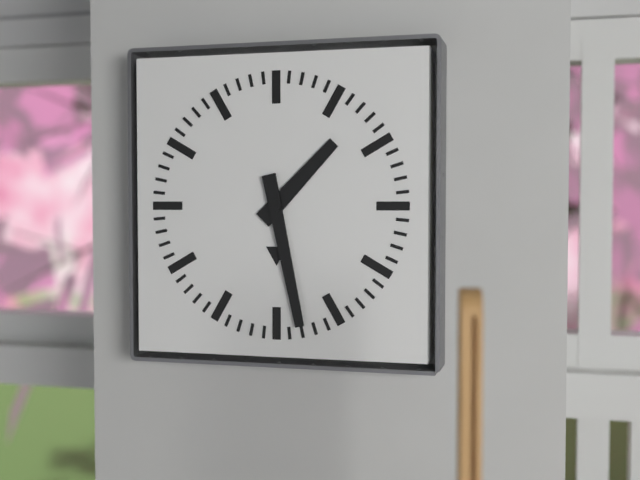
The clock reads 1h28
